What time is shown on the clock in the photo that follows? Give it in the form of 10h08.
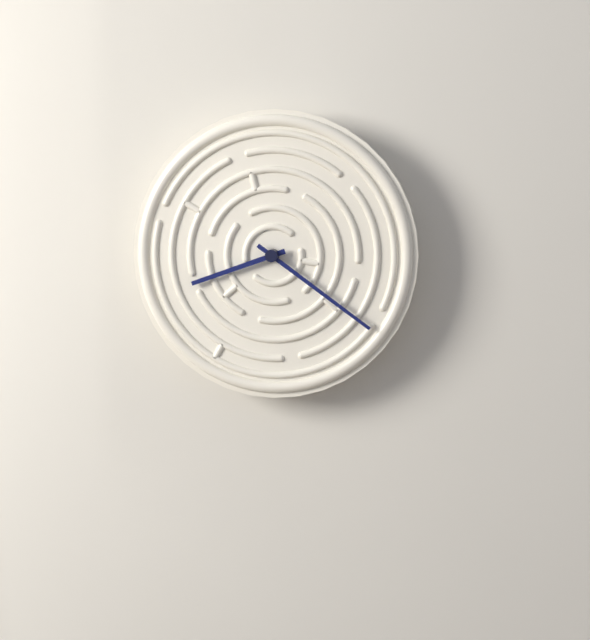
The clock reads 8h21
